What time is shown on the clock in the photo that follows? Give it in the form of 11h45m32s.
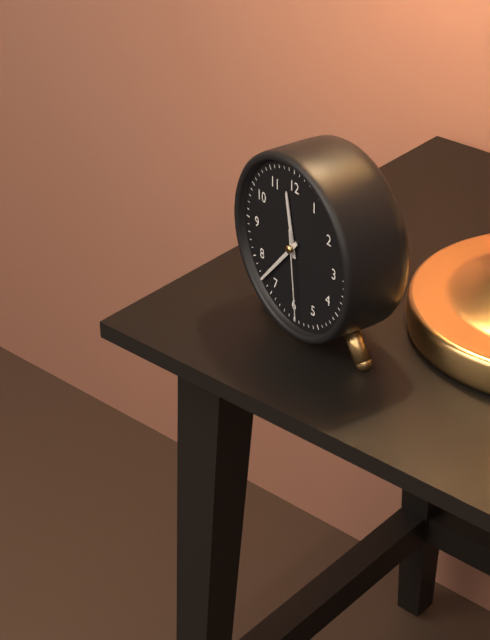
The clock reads 11h37m29s
